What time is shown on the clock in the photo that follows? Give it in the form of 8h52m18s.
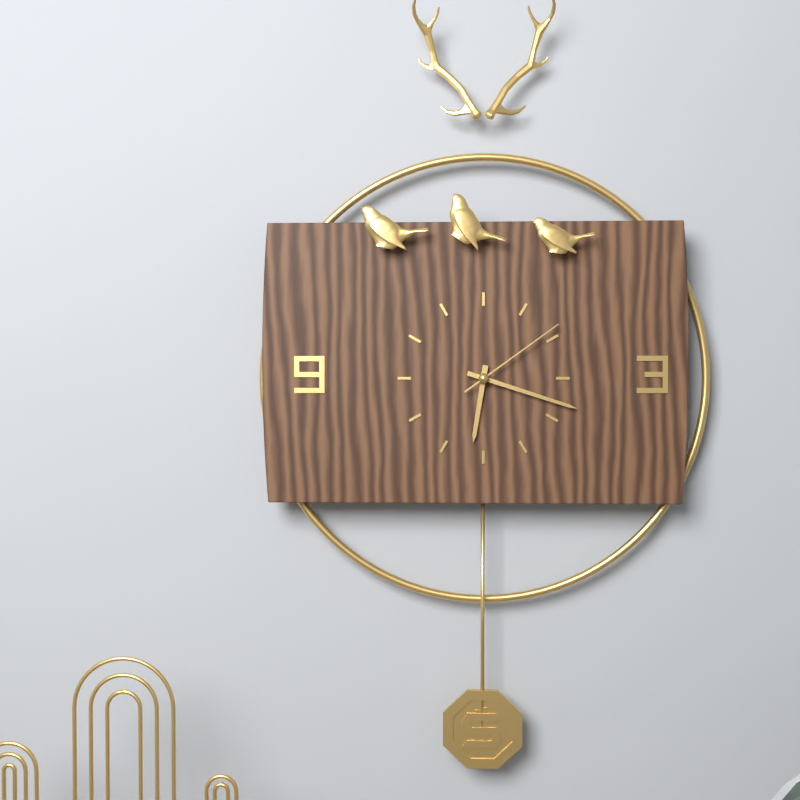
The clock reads 6h18m09s
